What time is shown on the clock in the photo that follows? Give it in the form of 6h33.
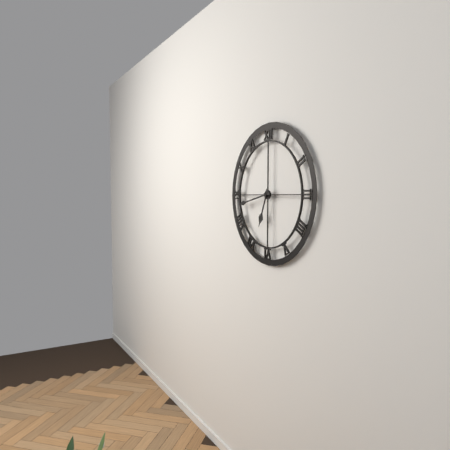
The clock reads 6h43
